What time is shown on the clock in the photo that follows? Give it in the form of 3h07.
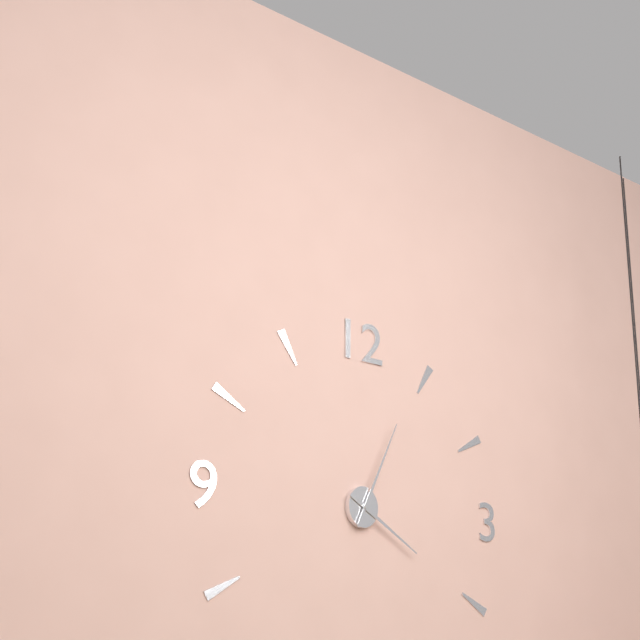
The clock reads 4h04
